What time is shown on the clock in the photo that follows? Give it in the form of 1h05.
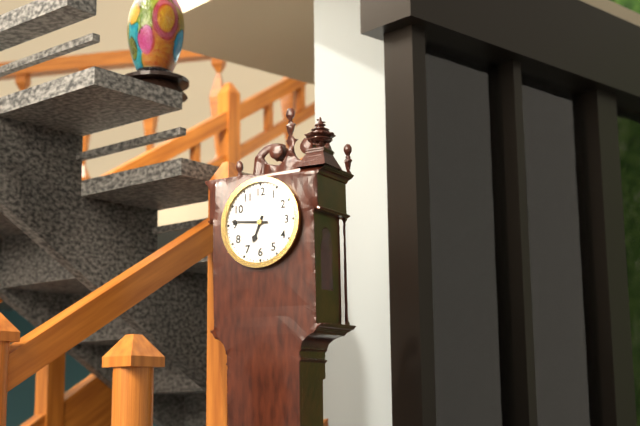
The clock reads 6h46
